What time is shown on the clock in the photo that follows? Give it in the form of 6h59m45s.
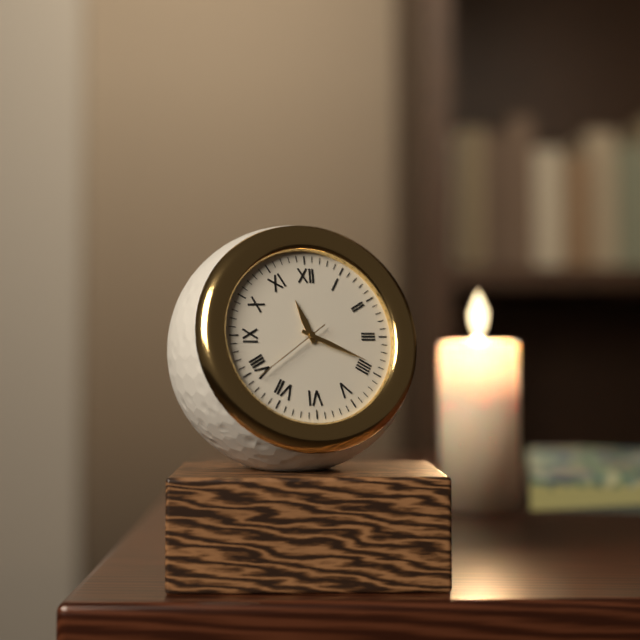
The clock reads 11h19m39s
